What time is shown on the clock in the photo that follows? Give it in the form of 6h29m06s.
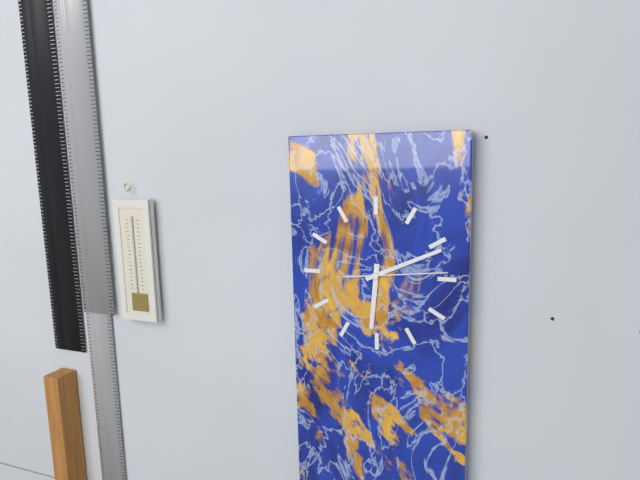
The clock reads 6h11m14s
